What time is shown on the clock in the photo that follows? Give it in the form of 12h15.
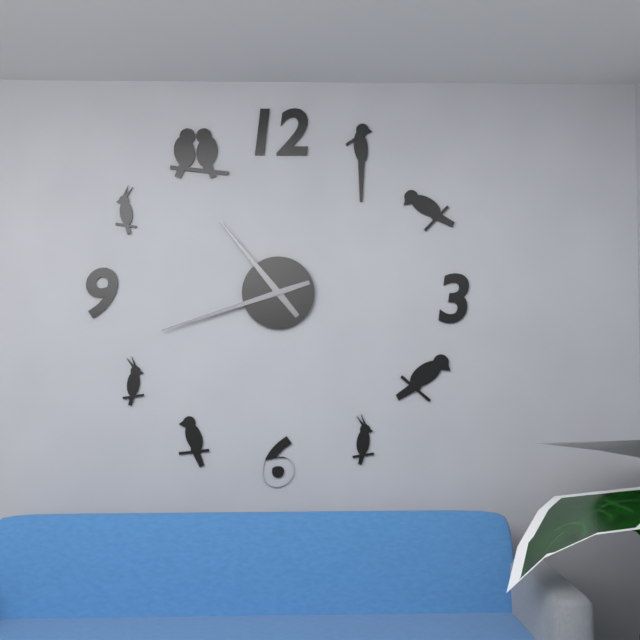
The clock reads 10h42
